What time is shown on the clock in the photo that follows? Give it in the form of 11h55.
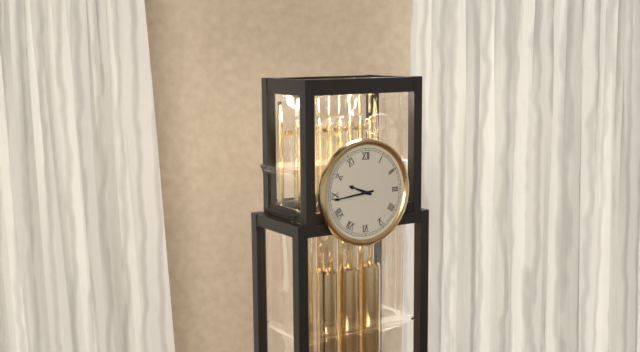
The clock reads 9h44
